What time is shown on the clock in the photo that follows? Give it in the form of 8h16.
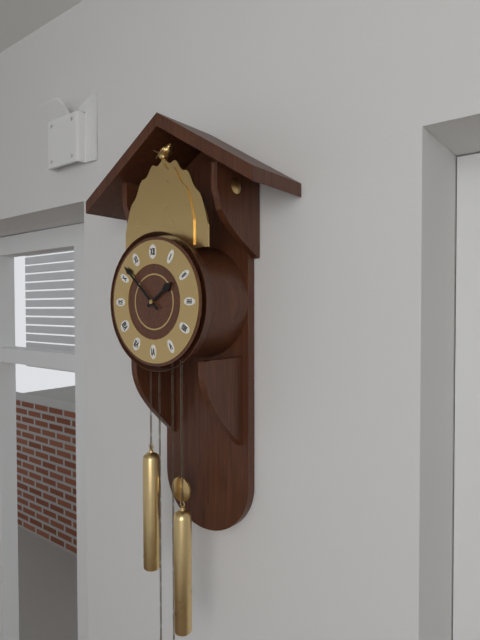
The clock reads 1h52
